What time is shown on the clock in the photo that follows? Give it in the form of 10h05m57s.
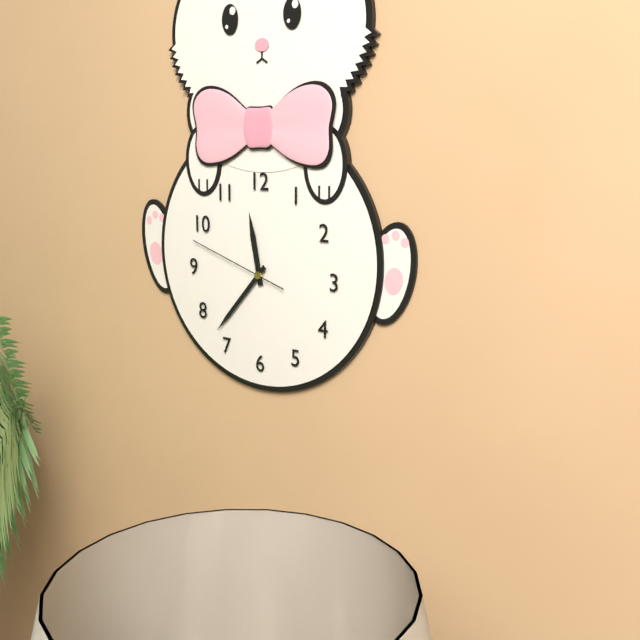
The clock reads 11h37m48s
